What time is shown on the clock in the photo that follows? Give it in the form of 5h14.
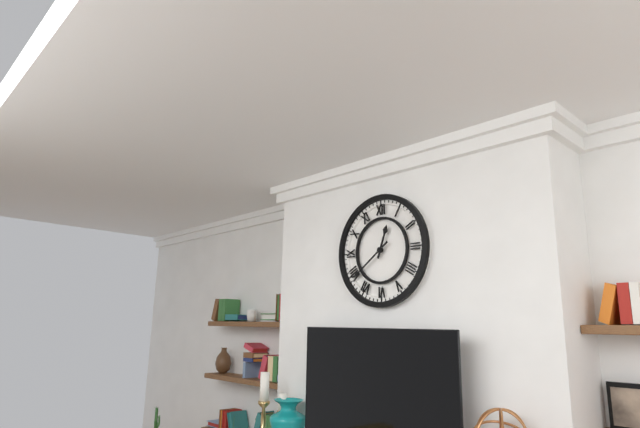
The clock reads 12h39
